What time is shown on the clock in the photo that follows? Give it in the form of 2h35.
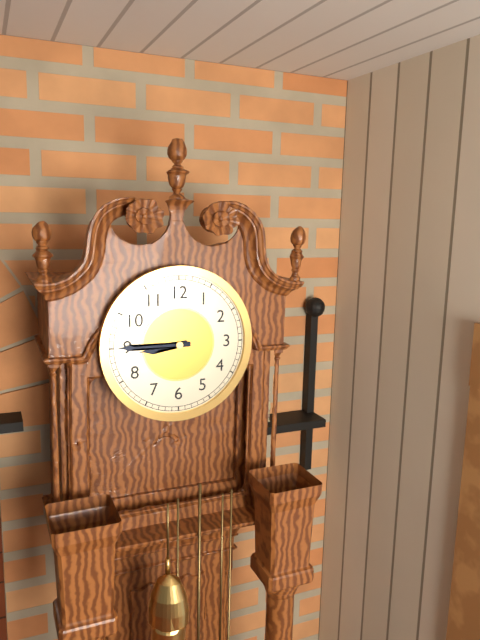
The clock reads 8h45
